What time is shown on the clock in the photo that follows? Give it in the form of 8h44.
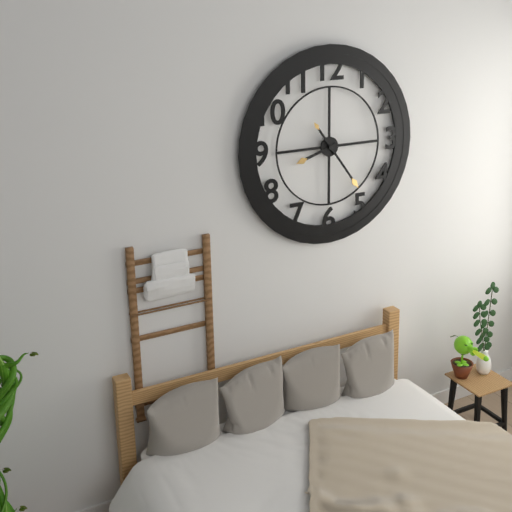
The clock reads 8h24
